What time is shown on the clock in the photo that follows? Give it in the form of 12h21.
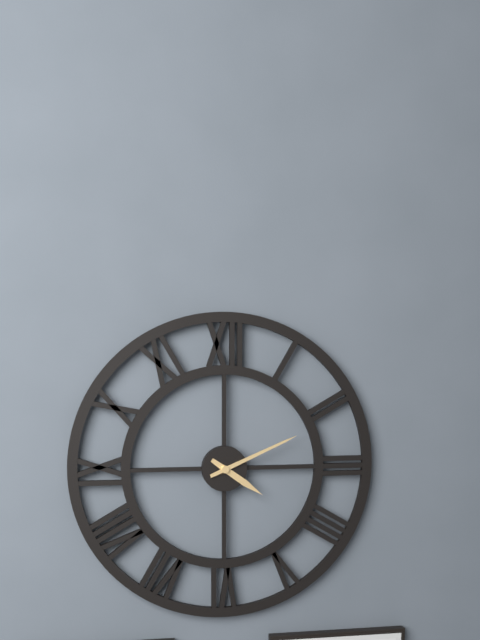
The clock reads 4h11
